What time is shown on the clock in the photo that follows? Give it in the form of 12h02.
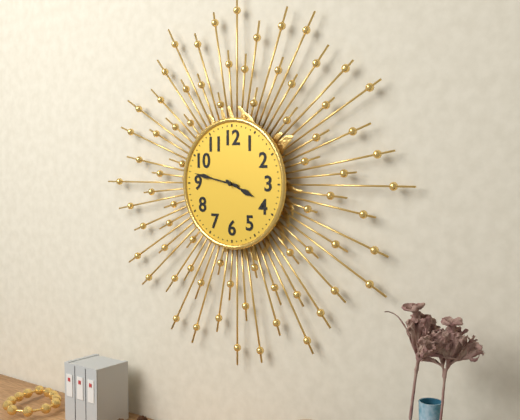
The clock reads 3h47
